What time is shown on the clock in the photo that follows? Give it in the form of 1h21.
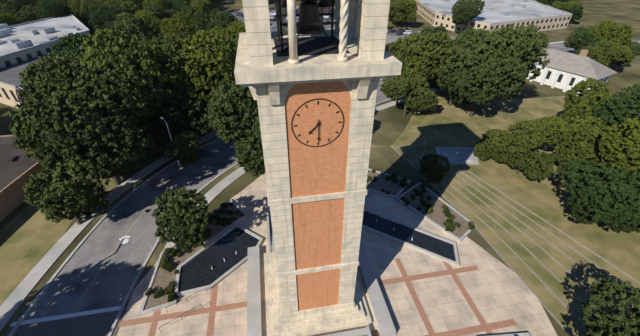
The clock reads 7h30
